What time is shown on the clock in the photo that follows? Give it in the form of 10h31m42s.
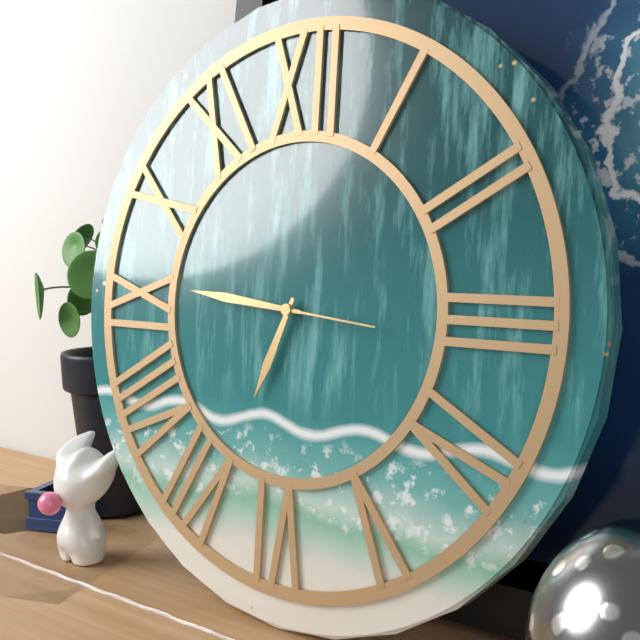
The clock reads 6h46m16s
